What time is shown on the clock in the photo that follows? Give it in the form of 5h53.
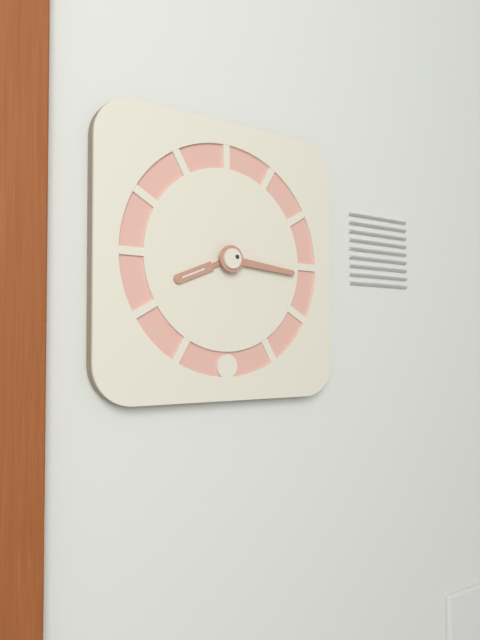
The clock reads 8h16
